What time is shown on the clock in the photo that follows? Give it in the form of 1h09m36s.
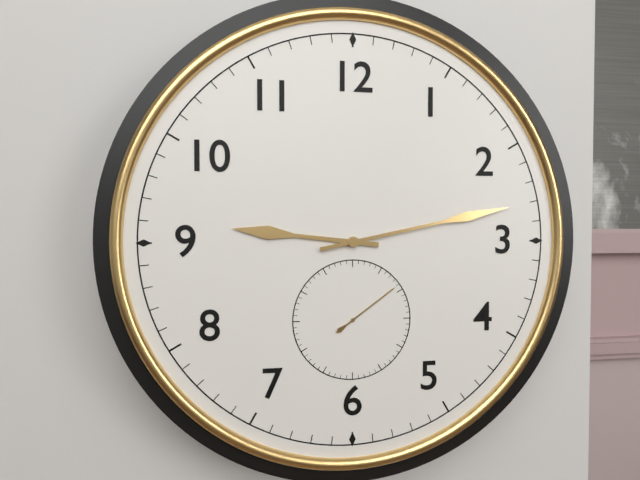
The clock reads 9h13m09s
